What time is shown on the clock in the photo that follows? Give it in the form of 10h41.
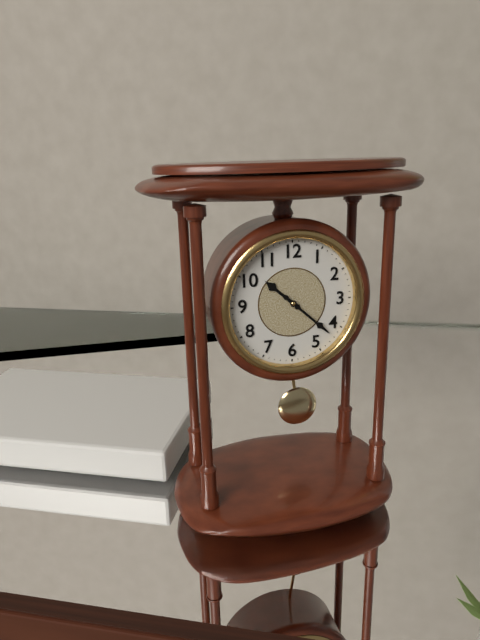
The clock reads 10h22
